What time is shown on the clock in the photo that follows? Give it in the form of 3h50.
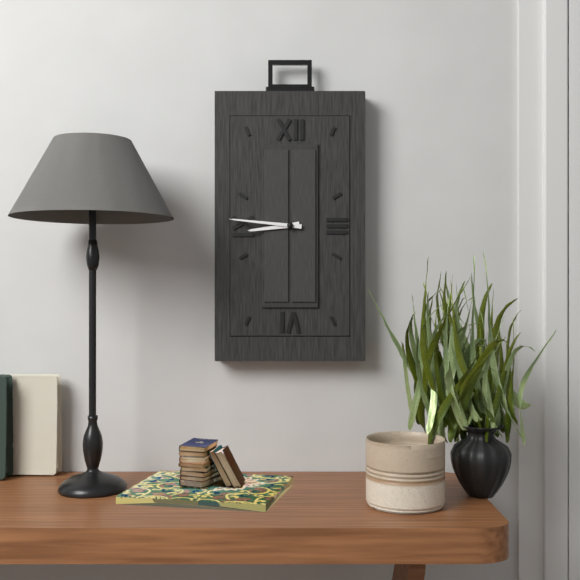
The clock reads 8h46
